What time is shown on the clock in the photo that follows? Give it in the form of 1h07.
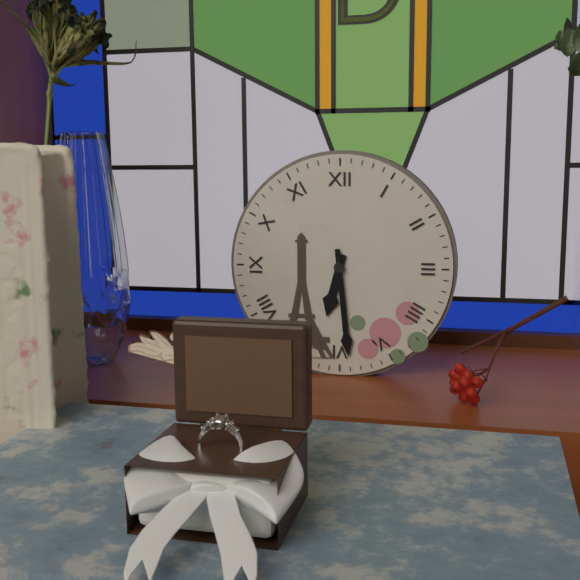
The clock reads 6h29
